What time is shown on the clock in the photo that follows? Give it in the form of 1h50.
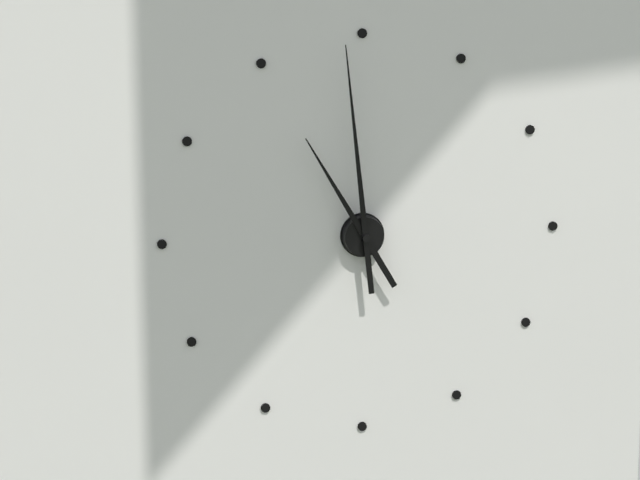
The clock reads 10h59
